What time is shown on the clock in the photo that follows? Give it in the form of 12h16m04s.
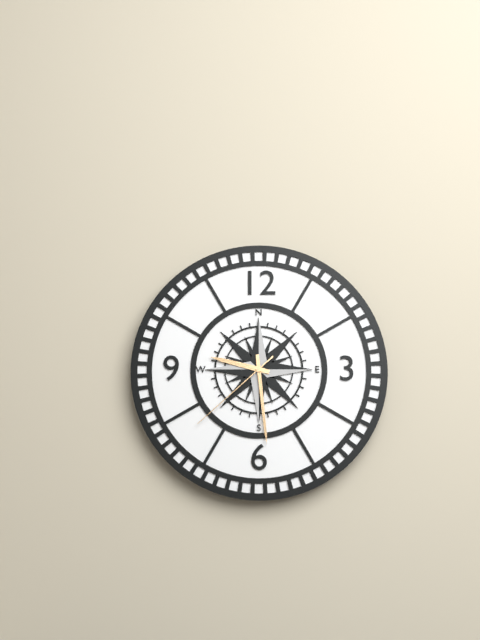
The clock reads 9h29m38s
